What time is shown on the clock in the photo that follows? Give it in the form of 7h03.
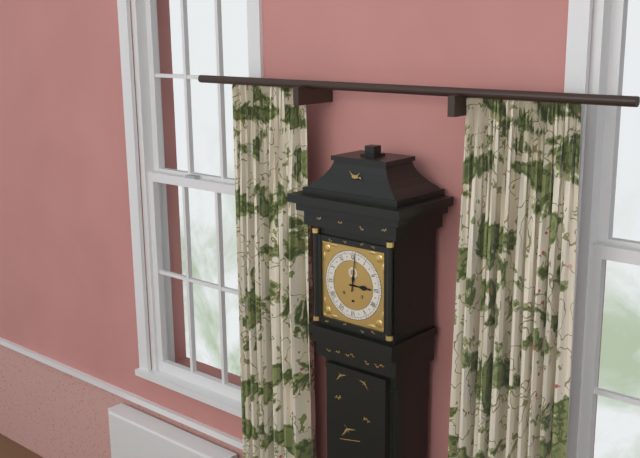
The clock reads 3h01
